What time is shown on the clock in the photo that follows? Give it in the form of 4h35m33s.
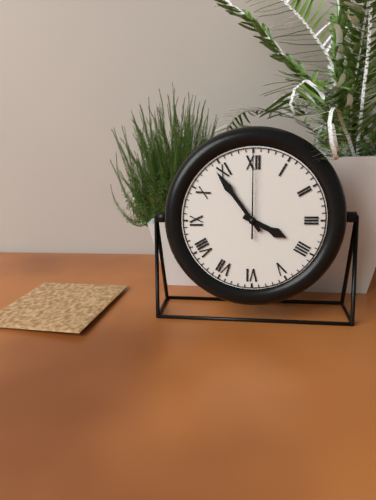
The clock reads 3h54m00s
